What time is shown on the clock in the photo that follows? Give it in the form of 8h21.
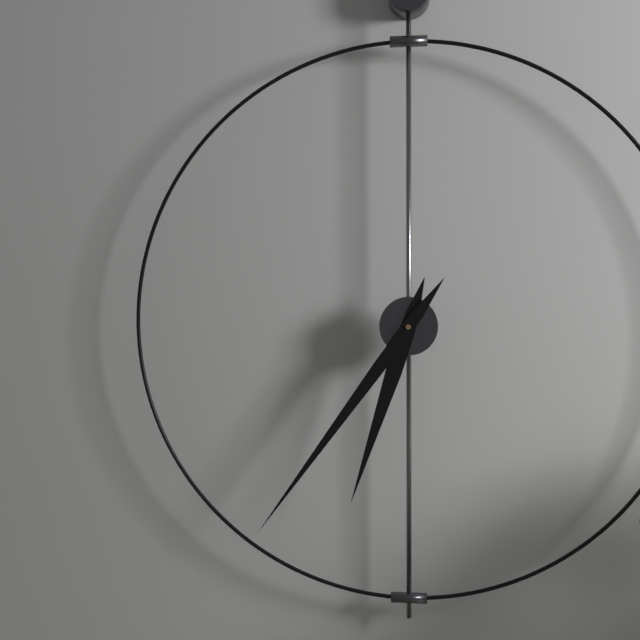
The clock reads 6h36
